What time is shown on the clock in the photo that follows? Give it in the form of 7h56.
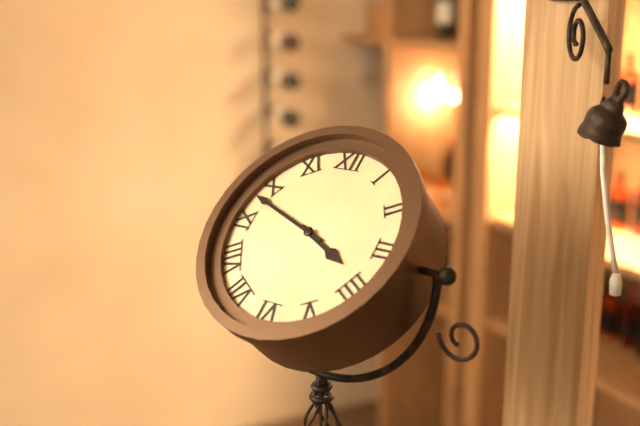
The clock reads 3h48
